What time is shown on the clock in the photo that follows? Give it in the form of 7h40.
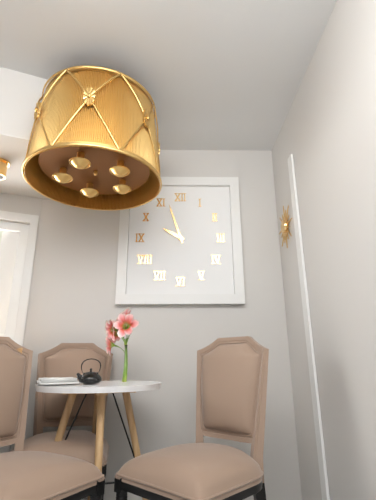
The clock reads 9h57
